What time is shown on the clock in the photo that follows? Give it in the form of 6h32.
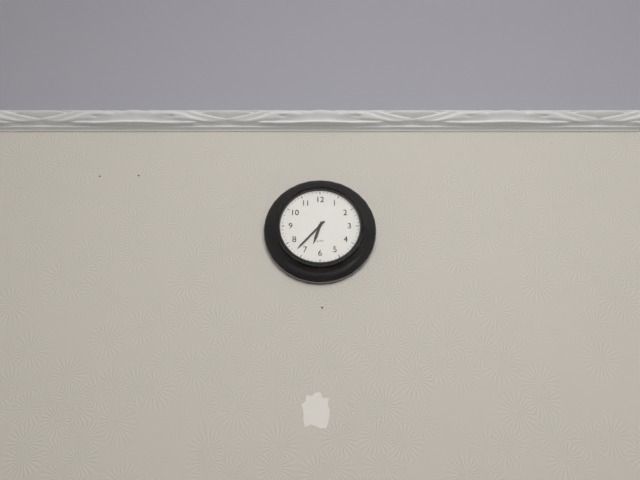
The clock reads 6h37
